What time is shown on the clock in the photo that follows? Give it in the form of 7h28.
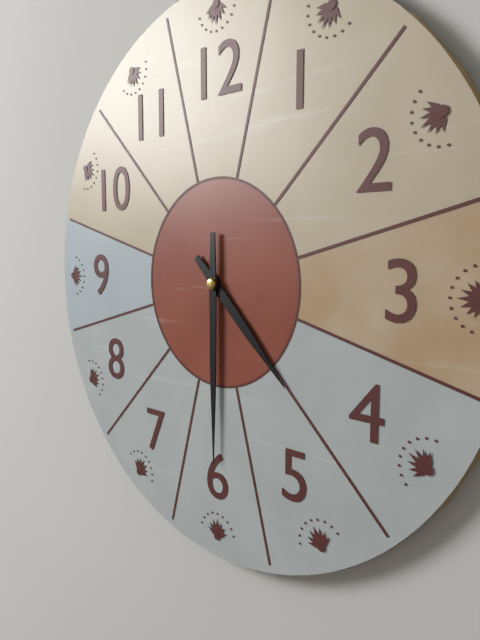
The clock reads 4h30
